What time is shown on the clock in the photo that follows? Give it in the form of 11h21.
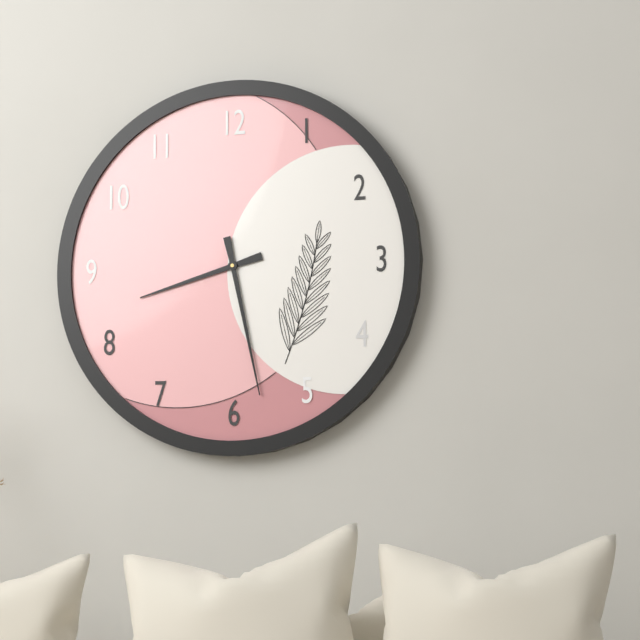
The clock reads 8h28
